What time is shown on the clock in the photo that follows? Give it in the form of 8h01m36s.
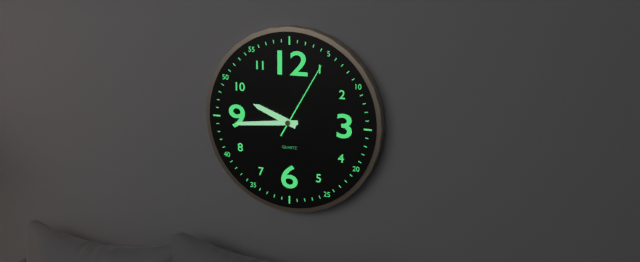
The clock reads 9h44m05s
